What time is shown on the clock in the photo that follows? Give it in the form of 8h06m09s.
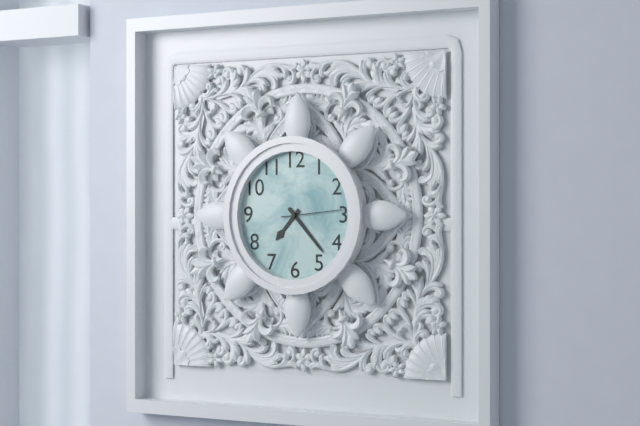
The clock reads 7h23m14s
